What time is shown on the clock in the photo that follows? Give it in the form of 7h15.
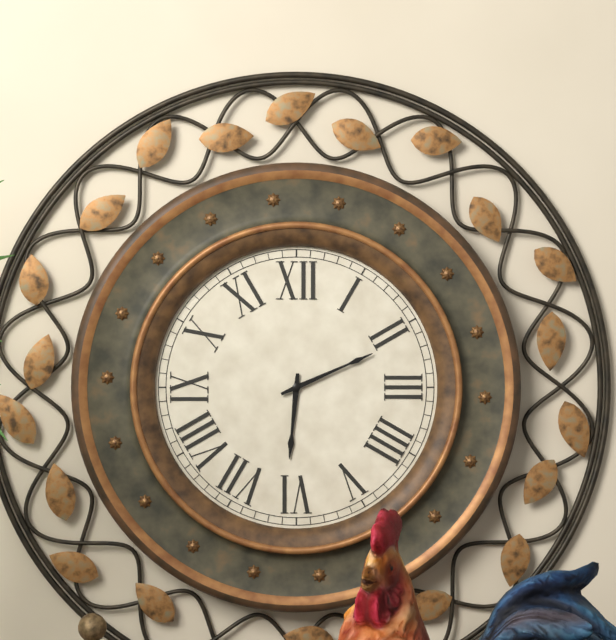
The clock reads 6h11
